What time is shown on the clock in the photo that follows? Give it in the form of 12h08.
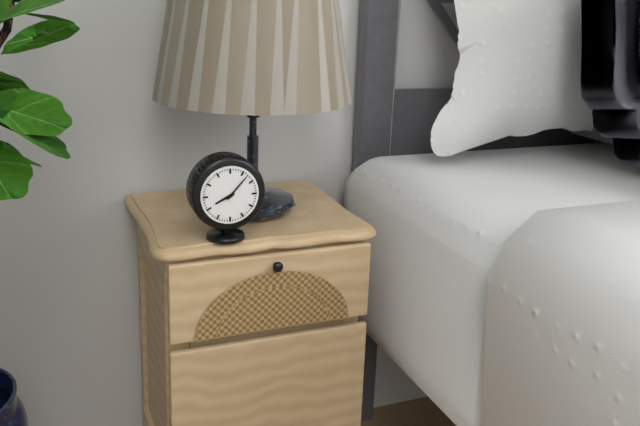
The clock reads 8h07
